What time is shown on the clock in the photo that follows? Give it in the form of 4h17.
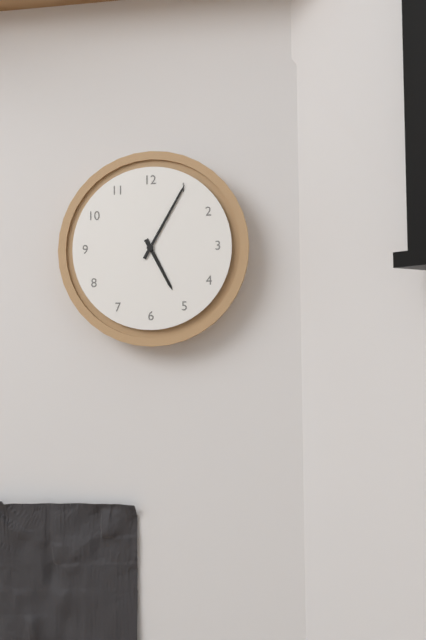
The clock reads 5h05
